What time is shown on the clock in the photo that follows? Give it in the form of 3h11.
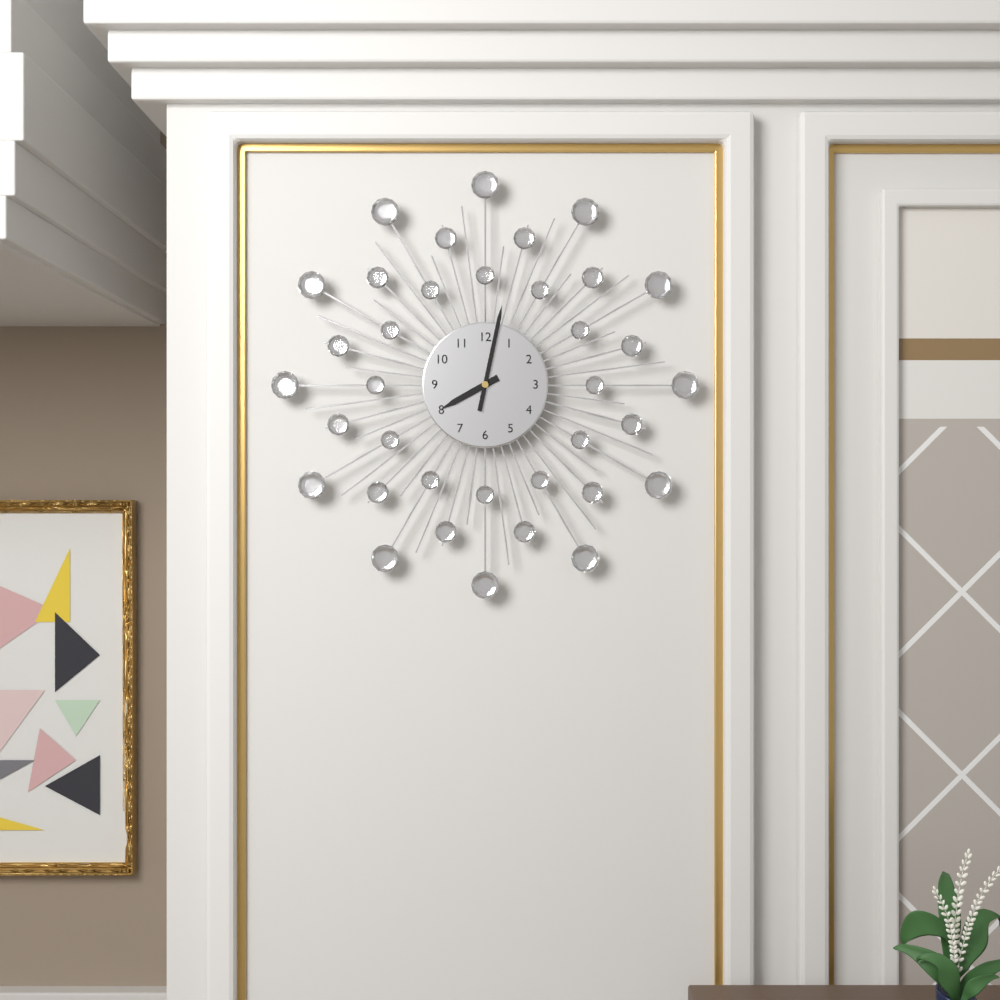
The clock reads 8h02
